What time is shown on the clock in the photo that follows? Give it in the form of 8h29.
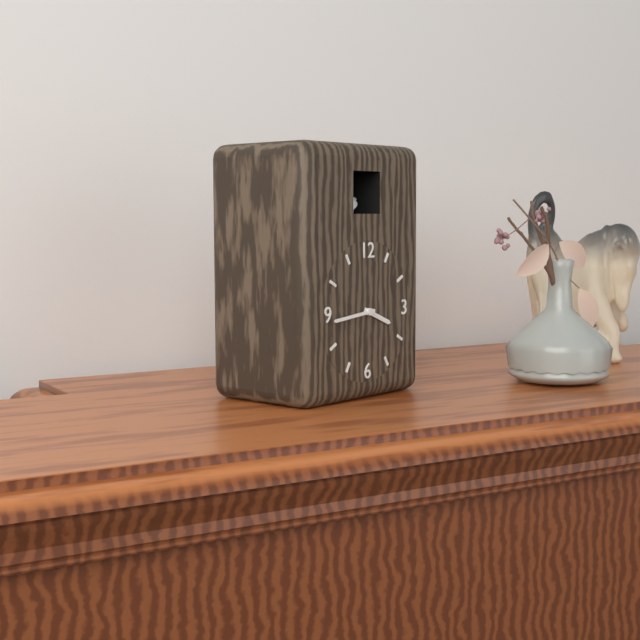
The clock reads 3h44
